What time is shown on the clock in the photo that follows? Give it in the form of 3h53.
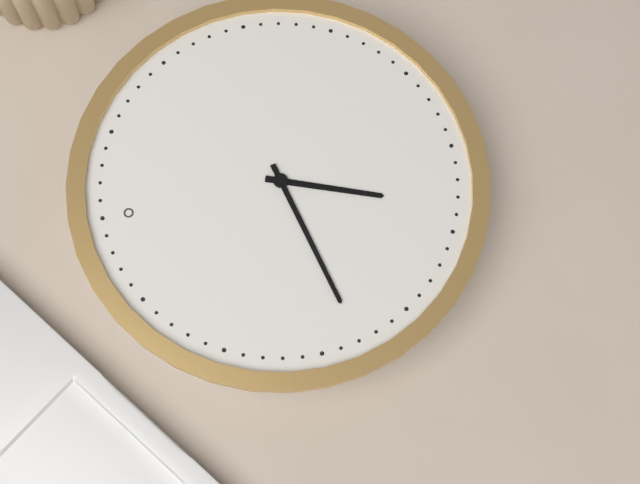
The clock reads 6h43
